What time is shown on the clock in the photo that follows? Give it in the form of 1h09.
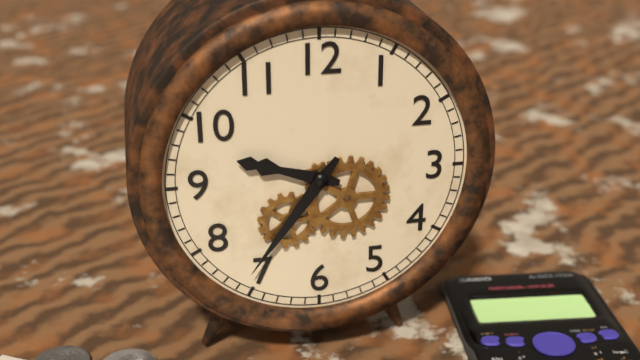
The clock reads 9h36
